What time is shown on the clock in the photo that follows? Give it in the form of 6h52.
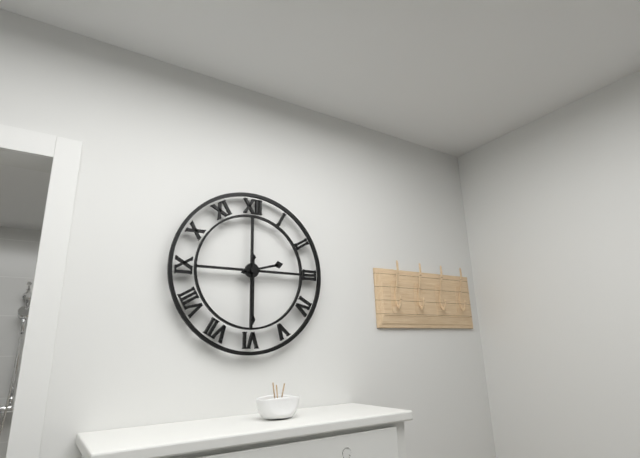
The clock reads 2h30
